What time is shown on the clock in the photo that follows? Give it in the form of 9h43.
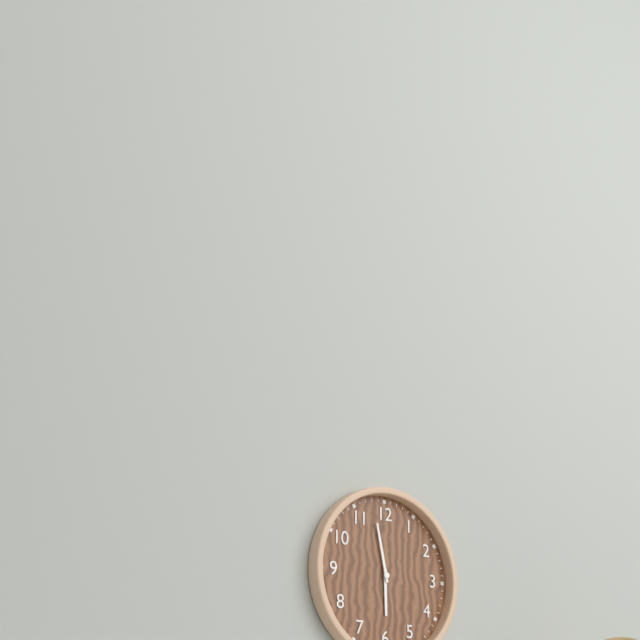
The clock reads 5h58
